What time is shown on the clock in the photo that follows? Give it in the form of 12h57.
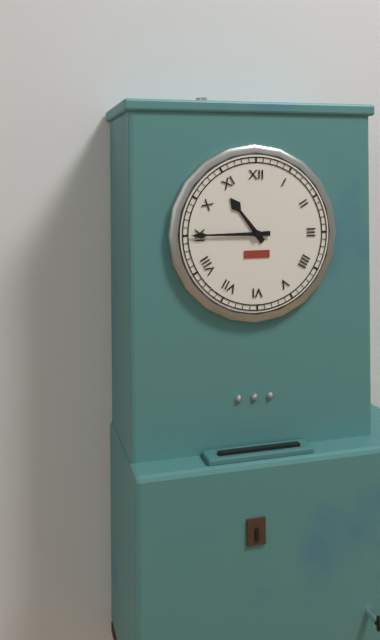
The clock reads 10h45
